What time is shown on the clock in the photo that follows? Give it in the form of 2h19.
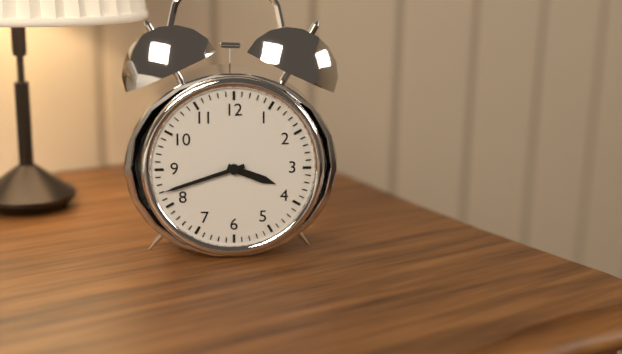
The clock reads 3h42
